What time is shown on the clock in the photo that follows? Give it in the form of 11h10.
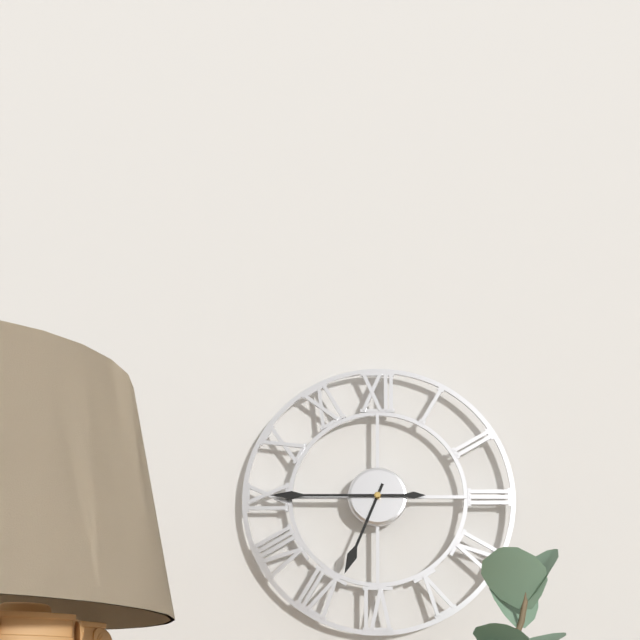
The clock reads 6h45
